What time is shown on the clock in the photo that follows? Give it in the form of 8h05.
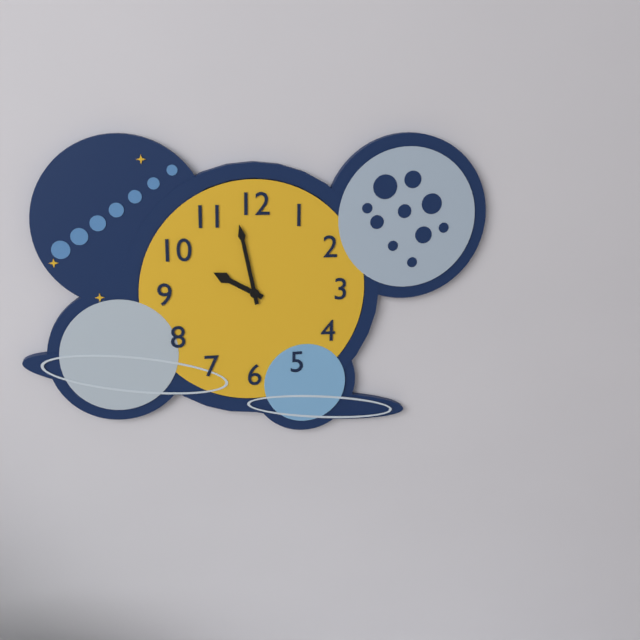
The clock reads 9h58
